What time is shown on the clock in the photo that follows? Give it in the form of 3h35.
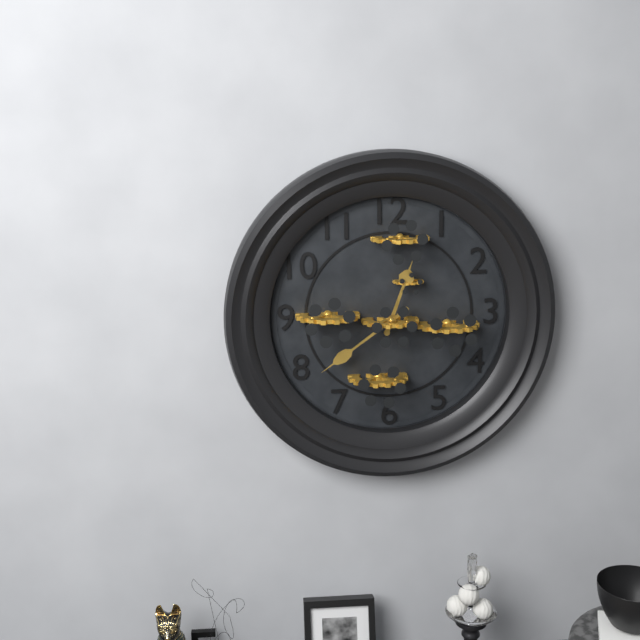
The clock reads 12h39
